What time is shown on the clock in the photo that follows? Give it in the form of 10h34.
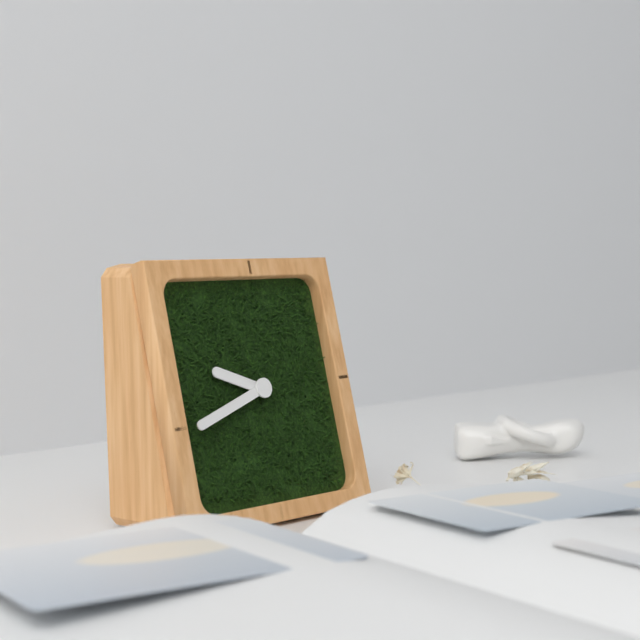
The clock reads 9h42
